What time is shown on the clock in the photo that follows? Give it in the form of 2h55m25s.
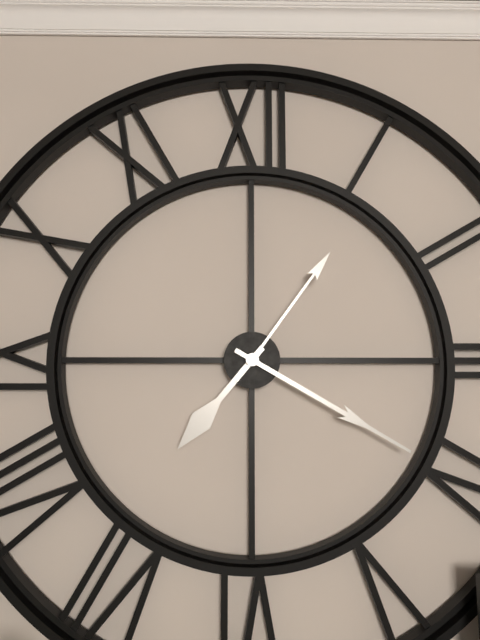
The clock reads 7h20m06s
